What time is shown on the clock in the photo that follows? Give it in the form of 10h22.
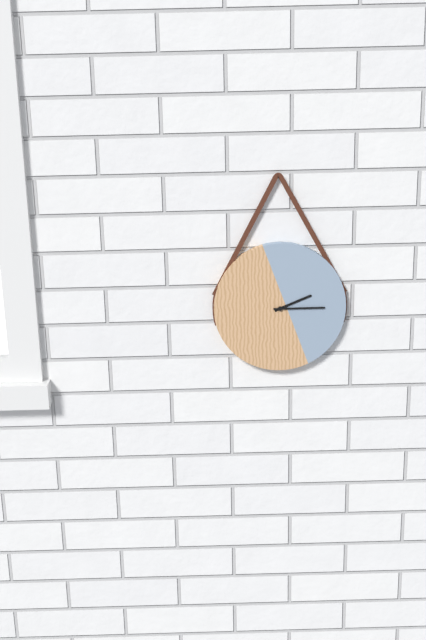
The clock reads 2h15
